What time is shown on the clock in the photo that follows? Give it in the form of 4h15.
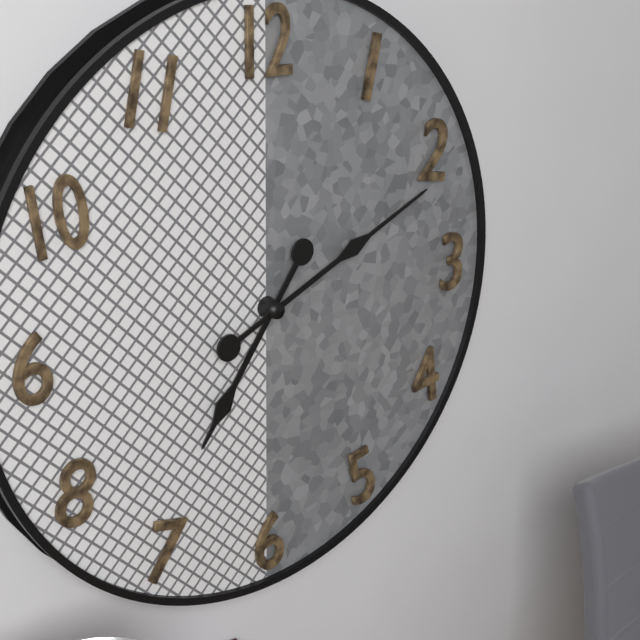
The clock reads 7h11
